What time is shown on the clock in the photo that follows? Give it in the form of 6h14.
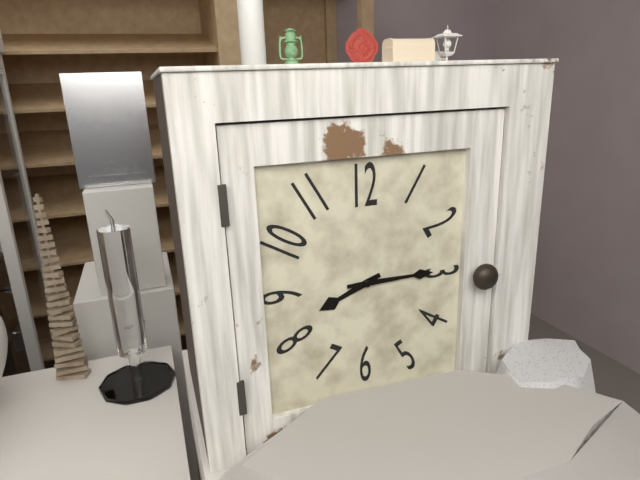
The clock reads 8h15
